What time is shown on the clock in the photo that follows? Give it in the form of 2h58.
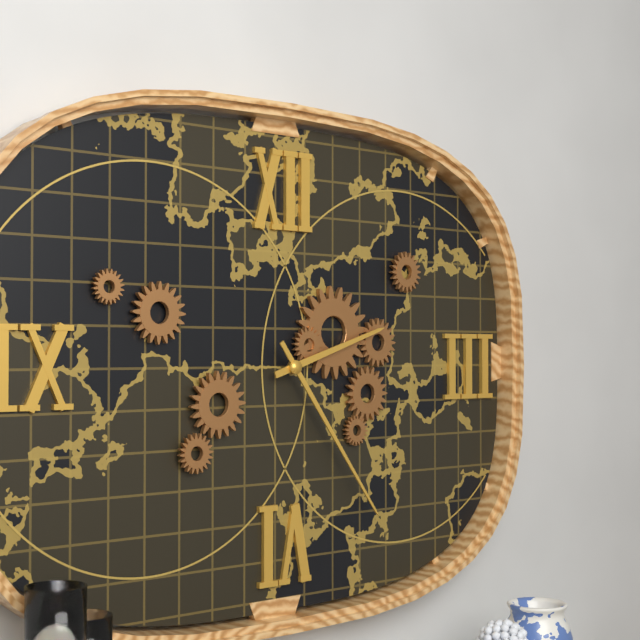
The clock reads 2h24
